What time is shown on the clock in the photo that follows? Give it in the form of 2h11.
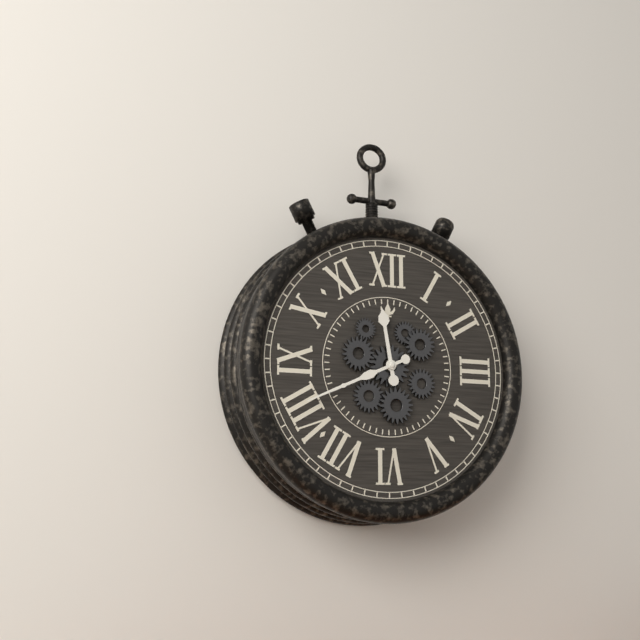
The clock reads 11h41
